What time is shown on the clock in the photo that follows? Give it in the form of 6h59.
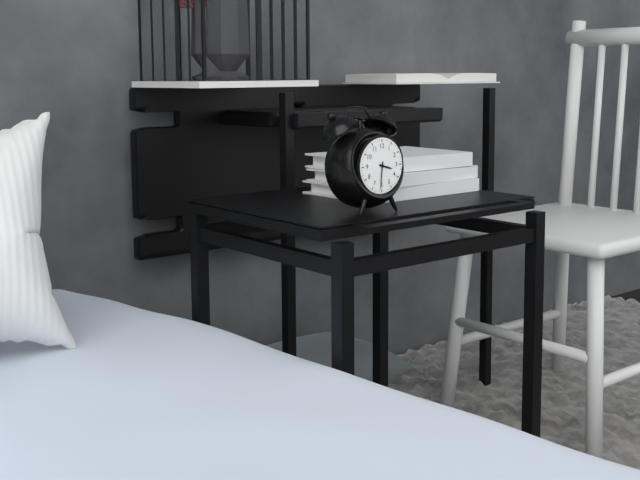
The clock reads 3h31
